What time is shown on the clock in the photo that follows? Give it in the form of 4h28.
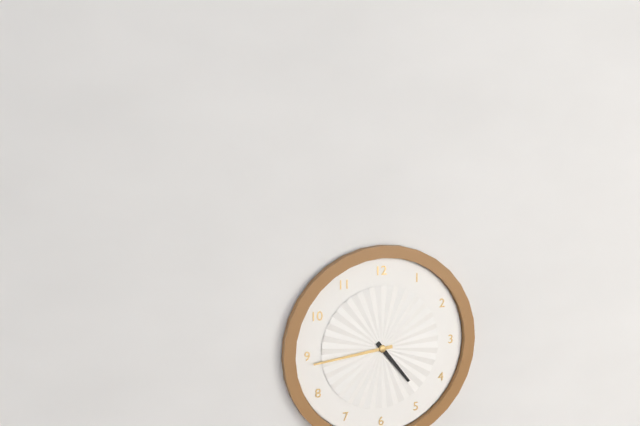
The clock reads 4h44
